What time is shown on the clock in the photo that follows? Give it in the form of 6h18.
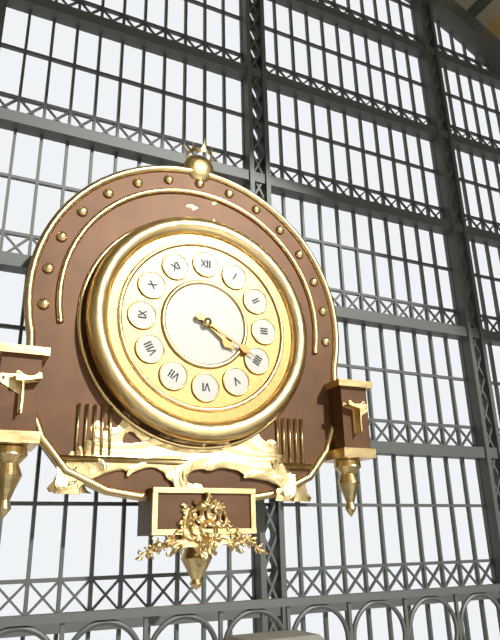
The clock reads 4h20
